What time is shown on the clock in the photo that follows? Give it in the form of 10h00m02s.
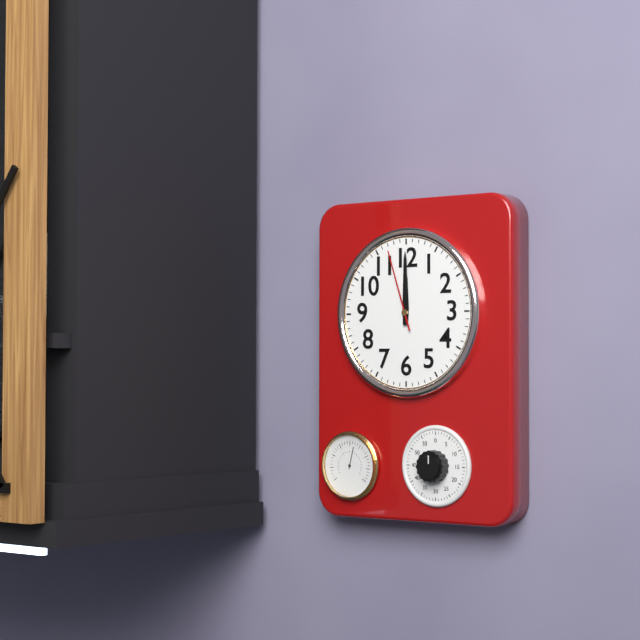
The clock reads 12h00m57s
